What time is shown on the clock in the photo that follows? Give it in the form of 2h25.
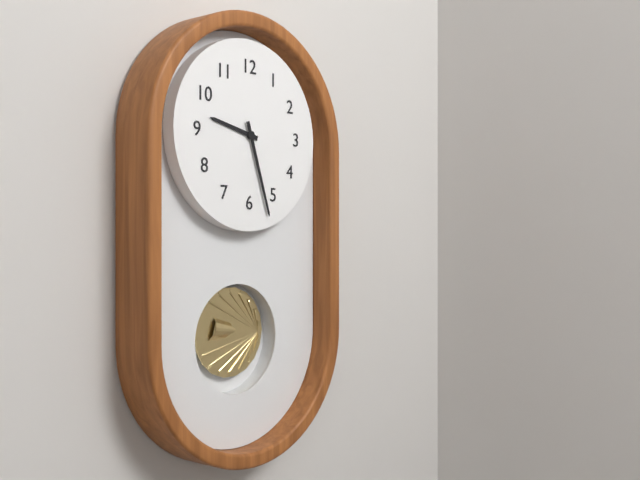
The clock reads 9h27
